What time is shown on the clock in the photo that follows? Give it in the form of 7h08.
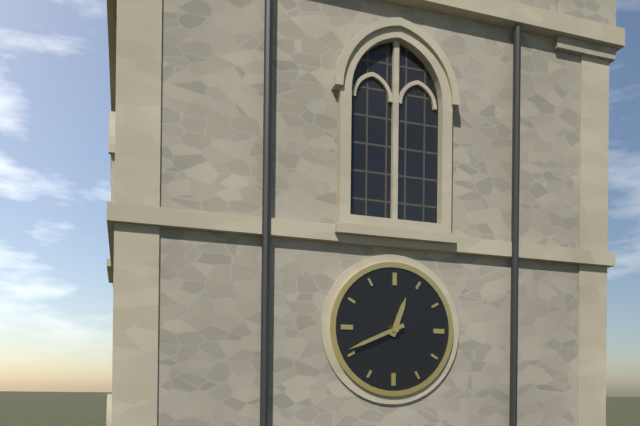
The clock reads 12h41
